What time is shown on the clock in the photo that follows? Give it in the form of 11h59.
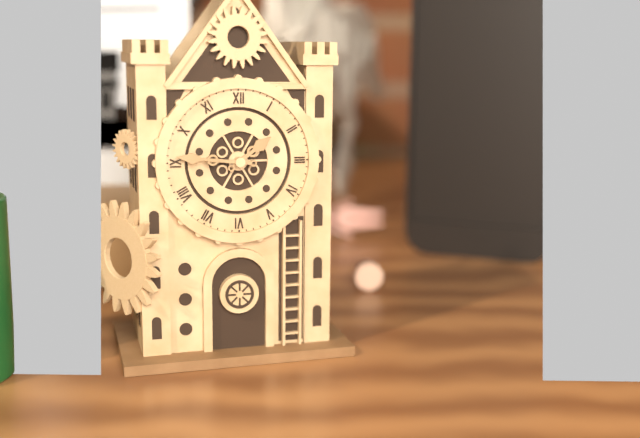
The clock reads 1h46
